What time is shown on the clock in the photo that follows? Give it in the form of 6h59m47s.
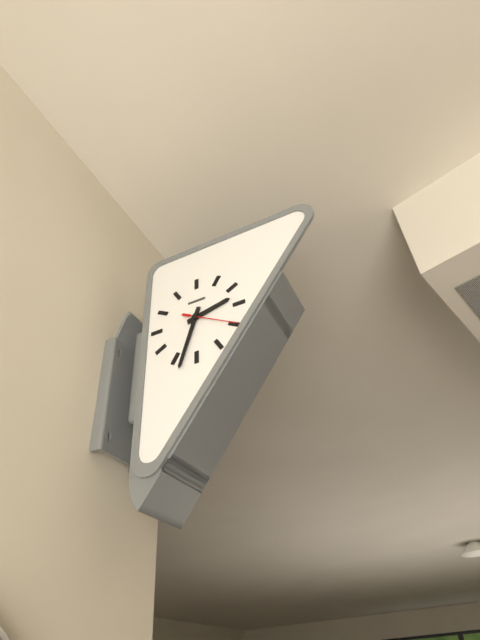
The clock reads 2h33m20s
